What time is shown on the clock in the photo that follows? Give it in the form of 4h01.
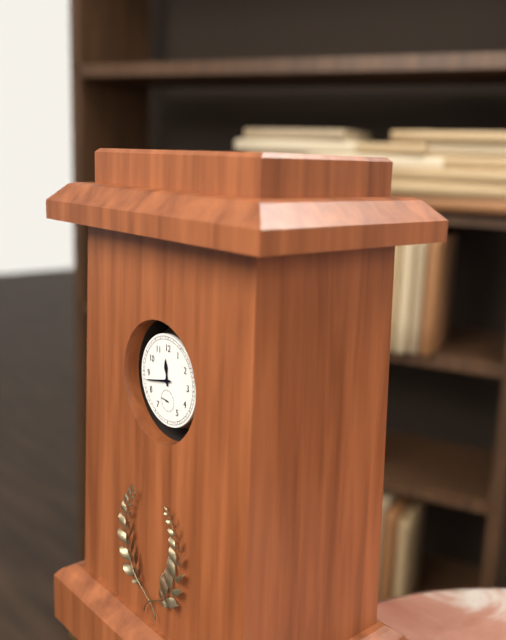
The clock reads 11h43
